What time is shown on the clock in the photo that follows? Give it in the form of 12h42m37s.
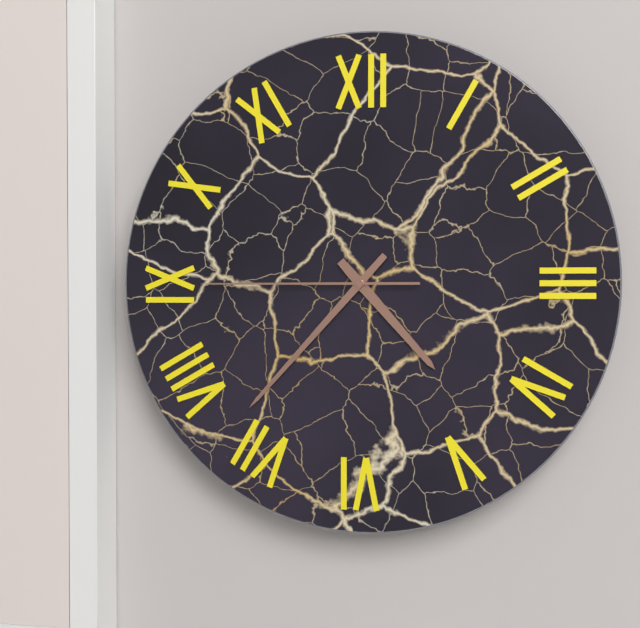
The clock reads 4h37m45s
